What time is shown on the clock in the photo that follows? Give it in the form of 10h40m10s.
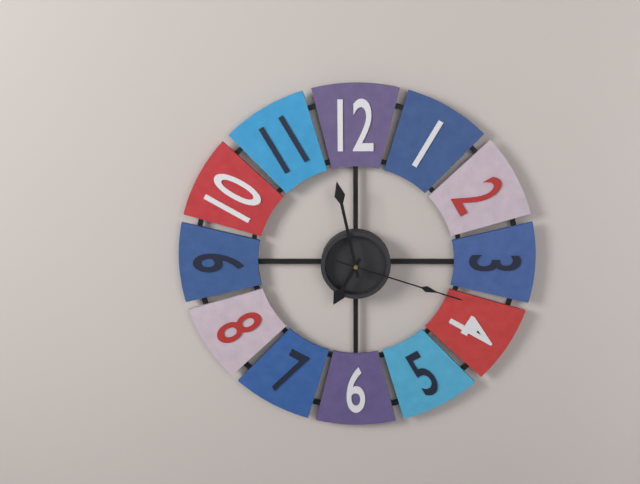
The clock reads 6h58m18s
